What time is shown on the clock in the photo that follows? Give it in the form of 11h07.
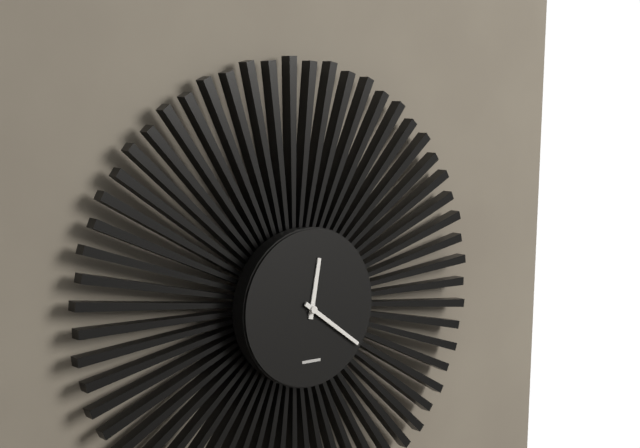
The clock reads 12h21
